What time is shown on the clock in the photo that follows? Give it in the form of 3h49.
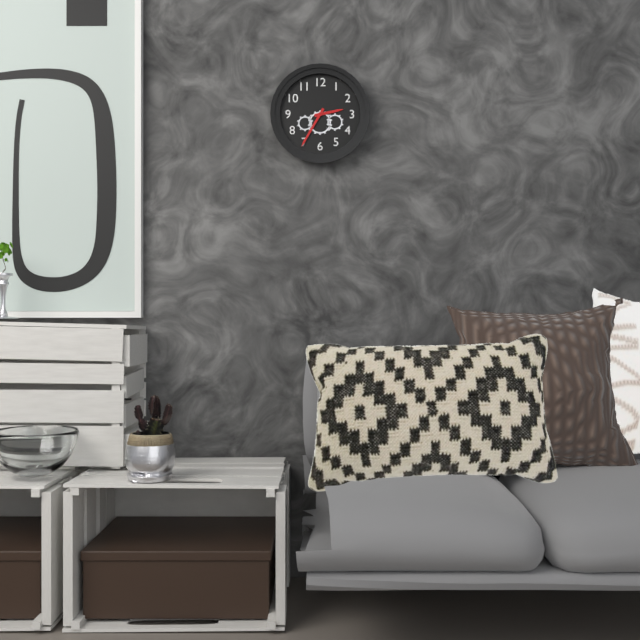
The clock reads 2h35
